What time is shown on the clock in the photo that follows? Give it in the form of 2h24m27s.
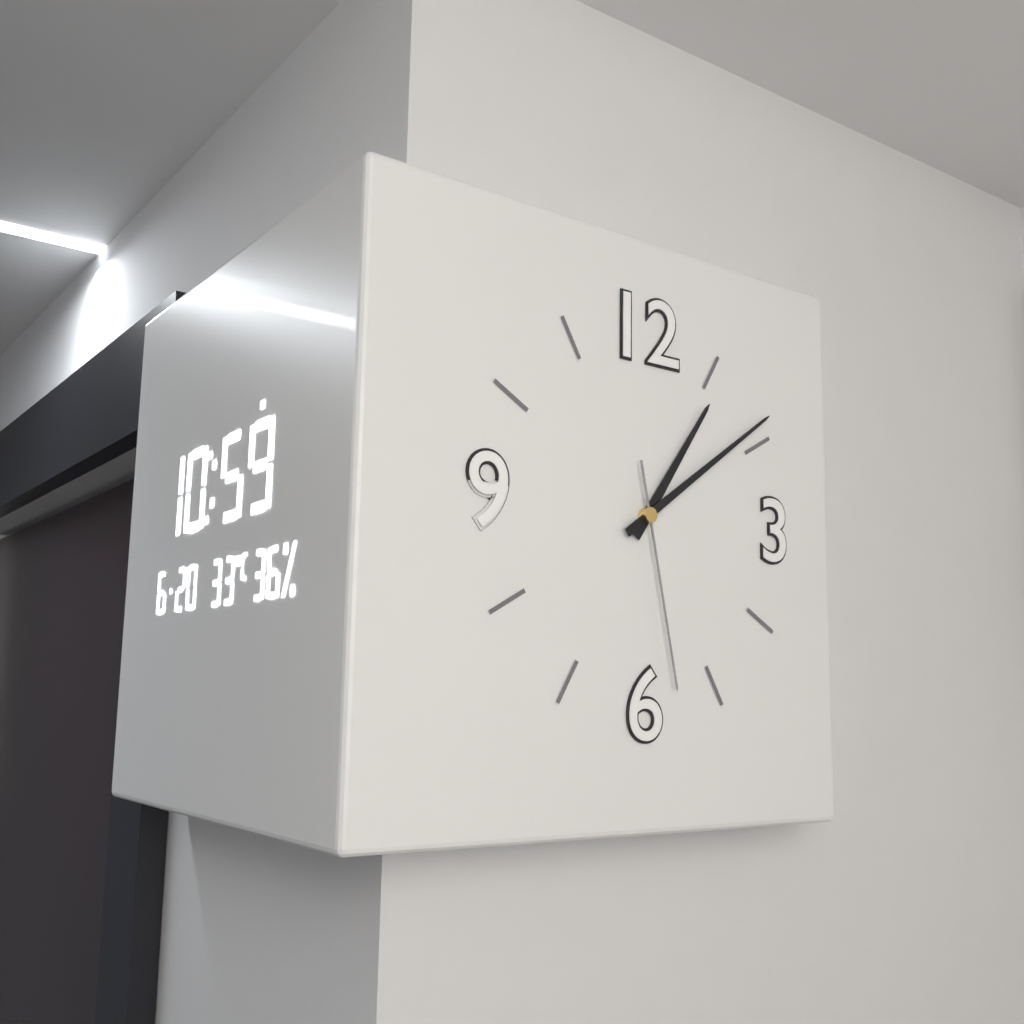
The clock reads 1h09m28s
